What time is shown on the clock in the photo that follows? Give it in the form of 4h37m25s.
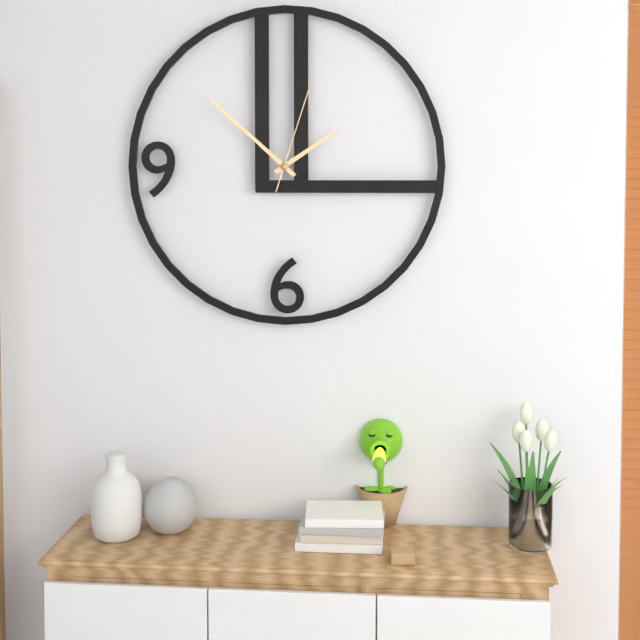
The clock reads 1h52m03s
